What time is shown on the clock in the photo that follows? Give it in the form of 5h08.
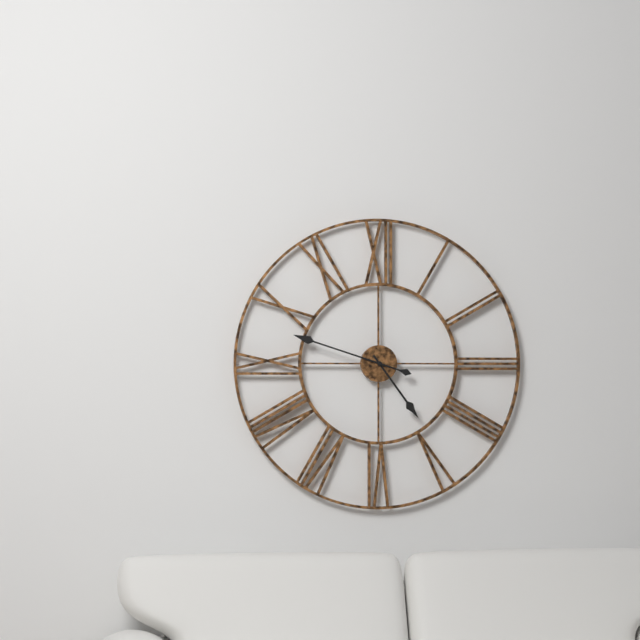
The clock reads 4h48
